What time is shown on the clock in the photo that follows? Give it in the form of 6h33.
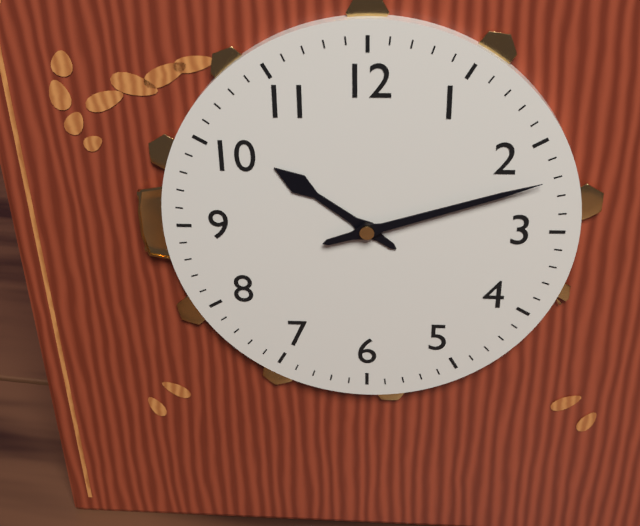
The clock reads 10h12
